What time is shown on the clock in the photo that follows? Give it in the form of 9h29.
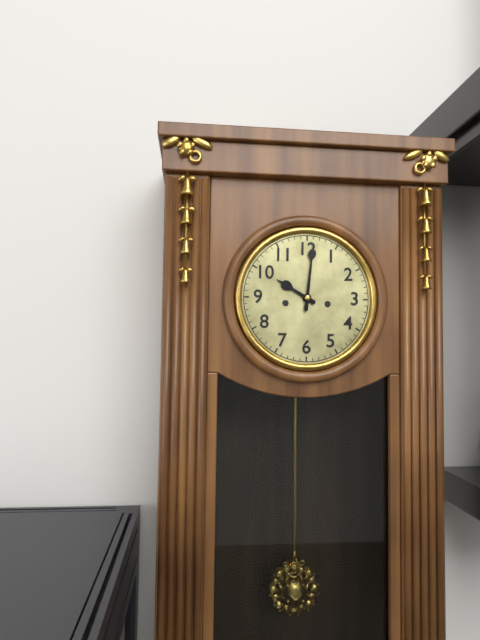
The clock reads 10h01
